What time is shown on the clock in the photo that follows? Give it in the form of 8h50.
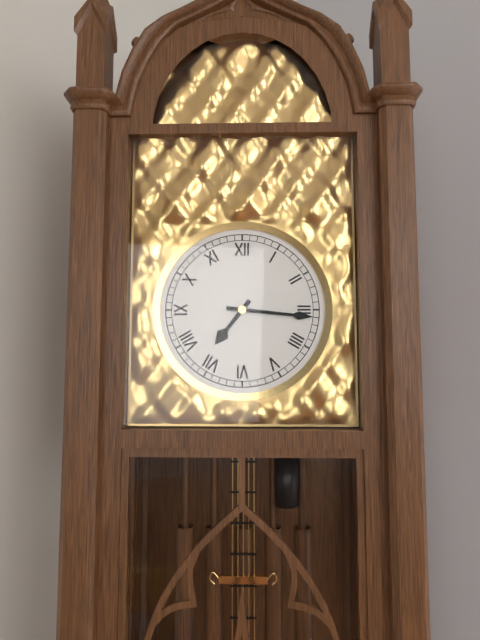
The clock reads 7h16
